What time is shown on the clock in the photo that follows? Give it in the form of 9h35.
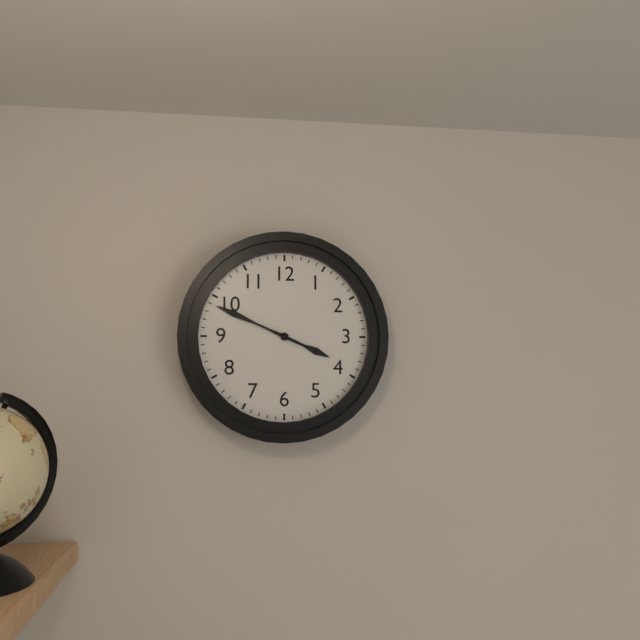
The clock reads 3h49
